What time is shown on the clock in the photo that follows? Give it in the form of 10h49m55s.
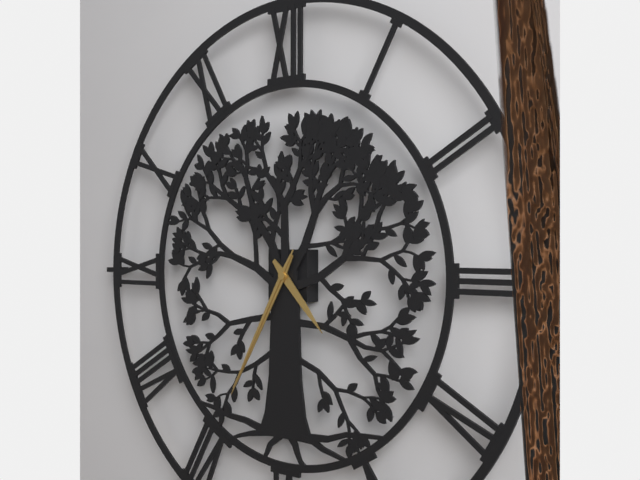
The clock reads 4h35m35s
